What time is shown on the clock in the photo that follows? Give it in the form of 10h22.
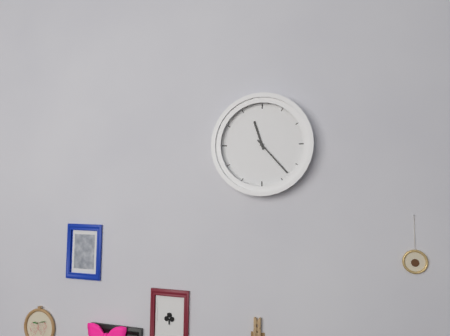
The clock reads 11h23
